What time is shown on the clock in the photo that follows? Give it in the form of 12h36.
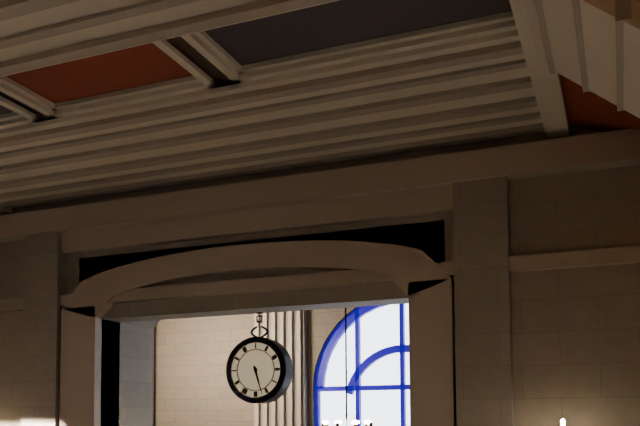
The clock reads 5h27
